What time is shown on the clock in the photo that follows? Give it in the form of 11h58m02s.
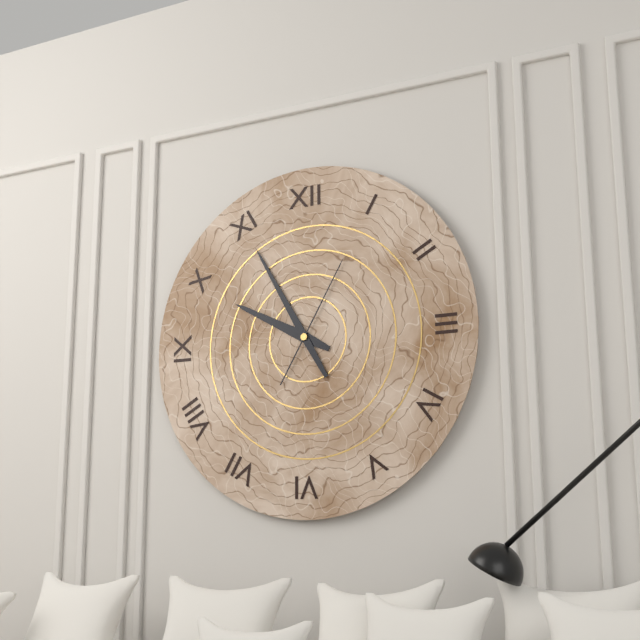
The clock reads 9h55m05s
